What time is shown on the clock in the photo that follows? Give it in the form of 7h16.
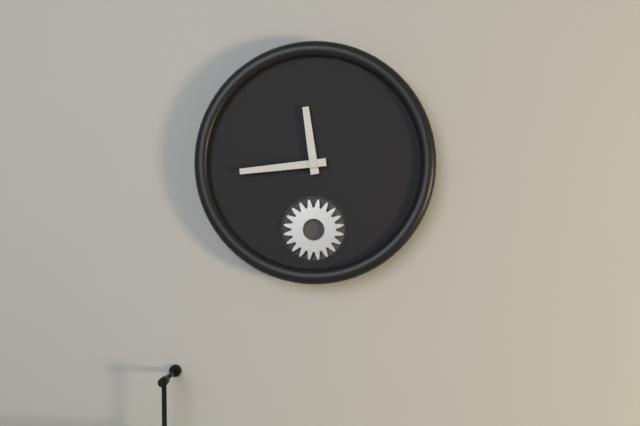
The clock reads 11h44
